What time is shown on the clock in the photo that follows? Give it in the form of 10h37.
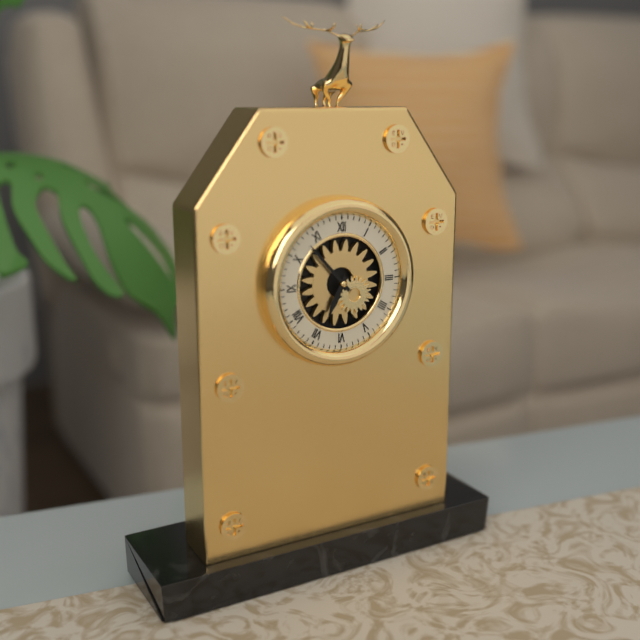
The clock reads 6h53
